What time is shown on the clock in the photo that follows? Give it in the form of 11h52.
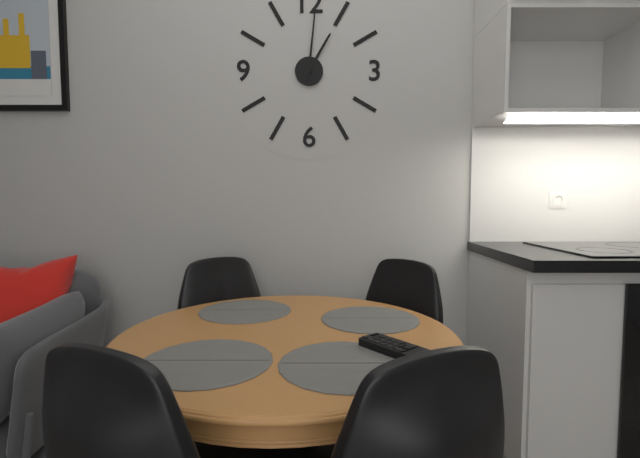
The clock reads 1h01
